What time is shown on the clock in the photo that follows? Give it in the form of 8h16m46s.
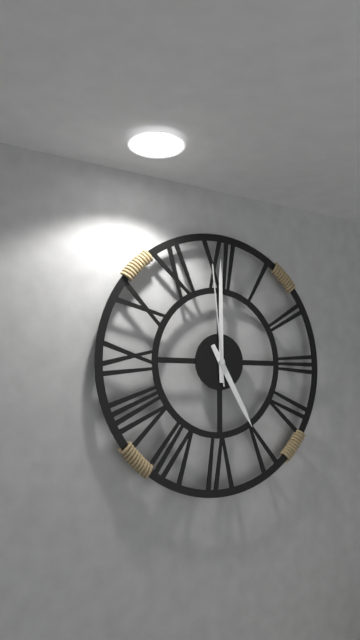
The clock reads 5h00m59s
